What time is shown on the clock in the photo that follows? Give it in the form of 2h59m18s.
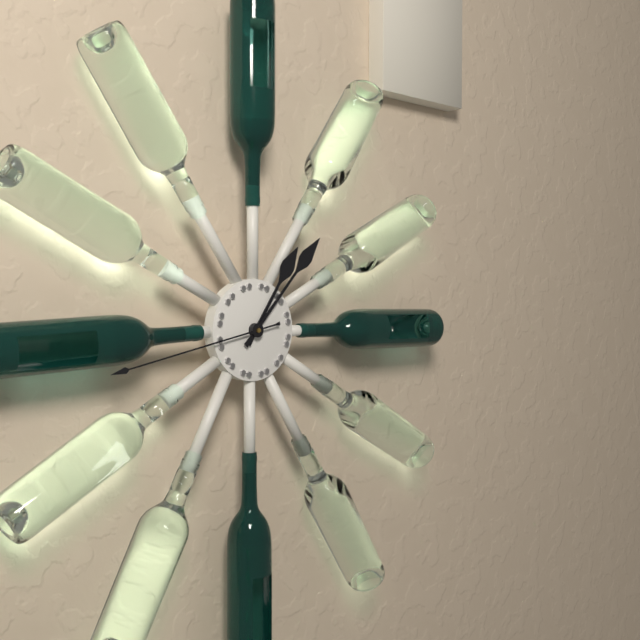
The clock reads 1h07m43s
